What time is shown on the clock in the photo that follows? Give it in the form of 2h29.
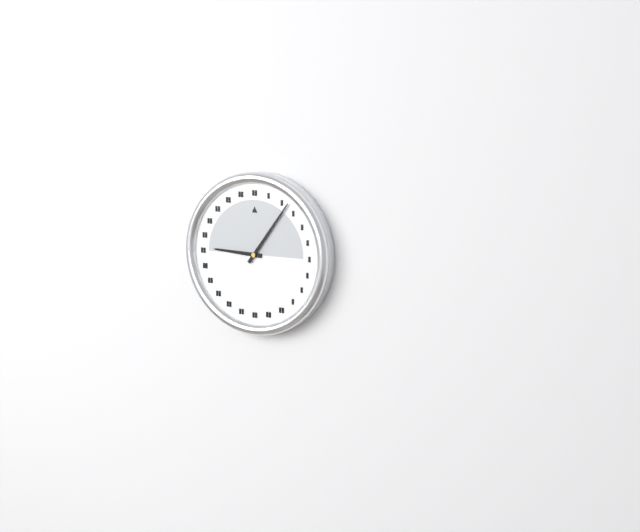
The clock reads 9h06
